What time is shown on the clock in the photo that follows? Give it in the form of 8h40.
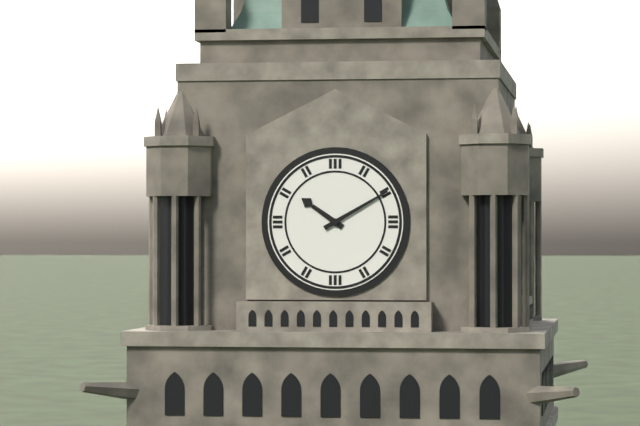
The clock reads 10h10
